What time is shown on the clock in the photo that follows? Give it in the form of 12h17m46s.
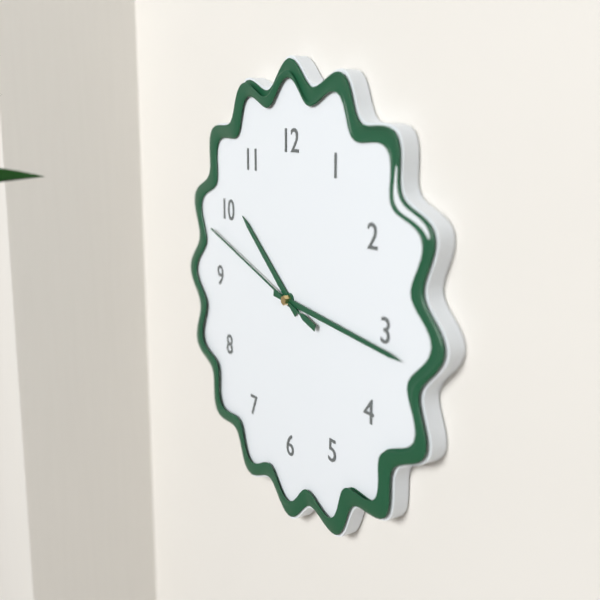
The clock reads 10h16m48s
